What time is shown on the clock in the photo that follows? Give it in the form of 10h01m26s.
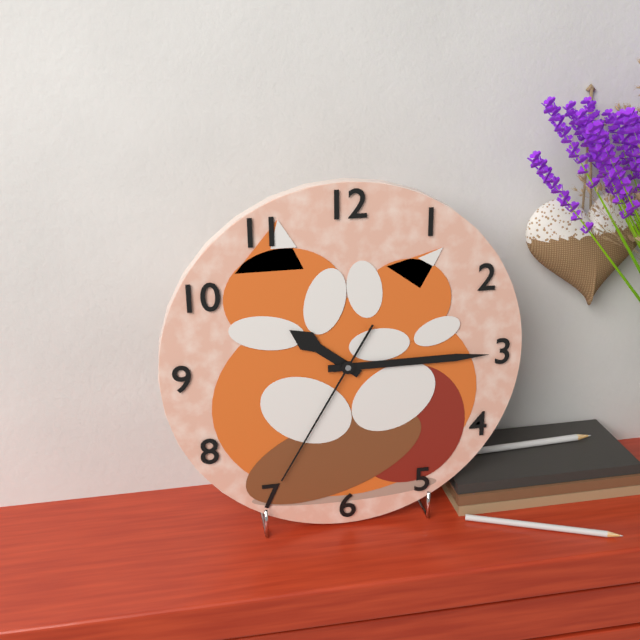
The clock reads 10h15m35s
